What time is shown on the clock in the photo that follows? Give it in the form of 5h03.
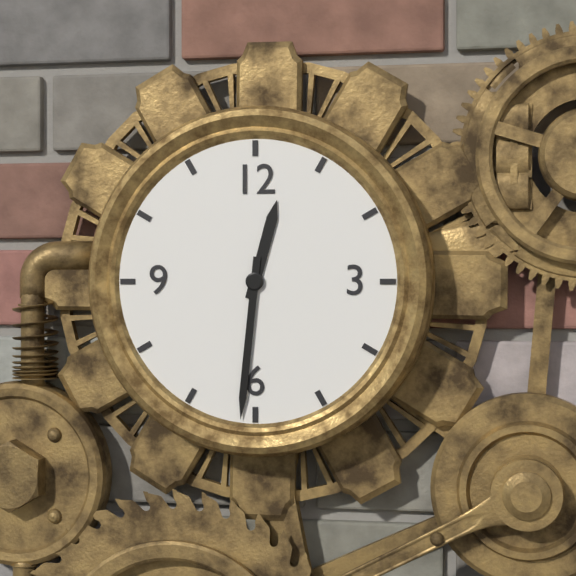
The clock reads 12h31
